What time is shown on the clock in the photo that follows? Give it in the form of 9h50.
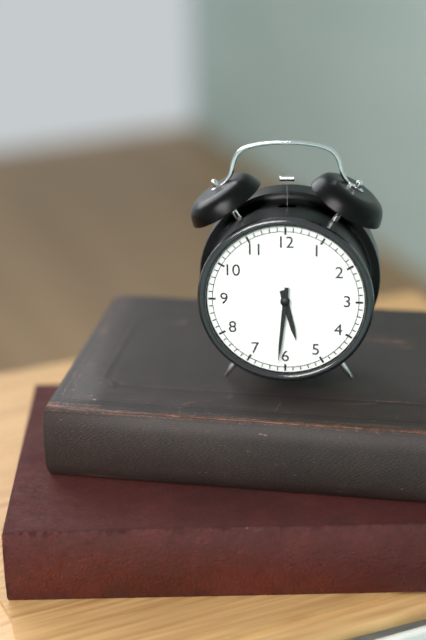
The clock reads 5h31
